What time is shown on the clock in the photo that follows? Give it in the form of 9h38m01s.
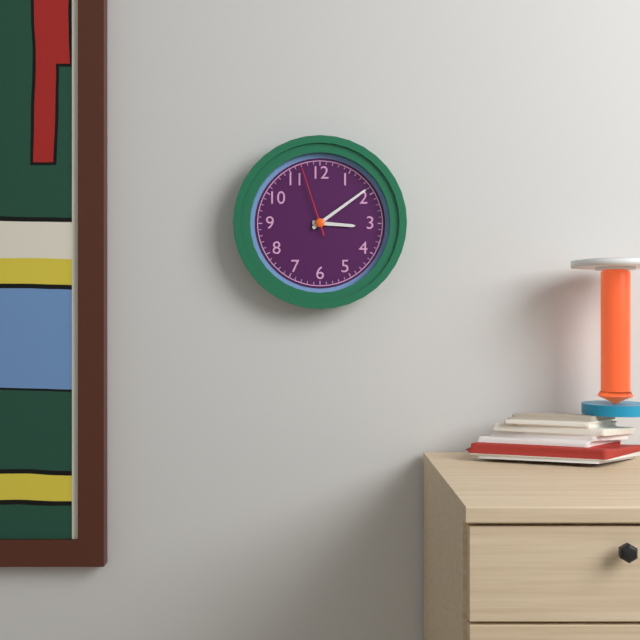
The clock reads 3h09m57s
